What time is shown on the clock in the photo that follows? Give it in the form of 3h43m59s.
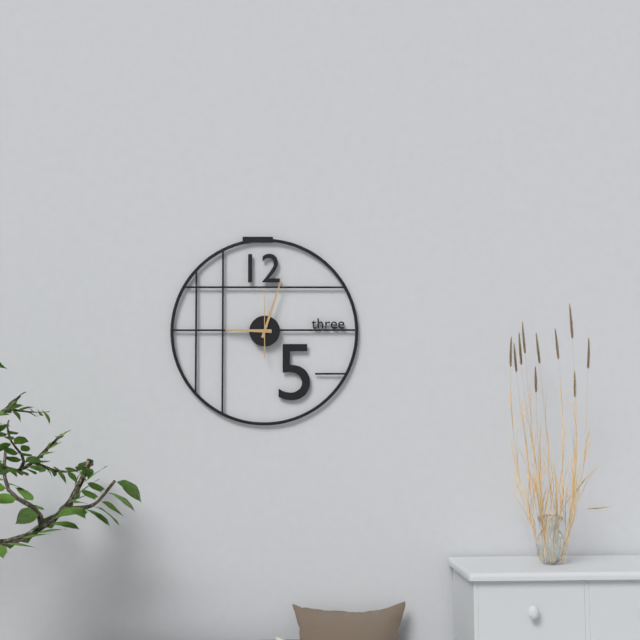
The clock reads 9h03m00s
